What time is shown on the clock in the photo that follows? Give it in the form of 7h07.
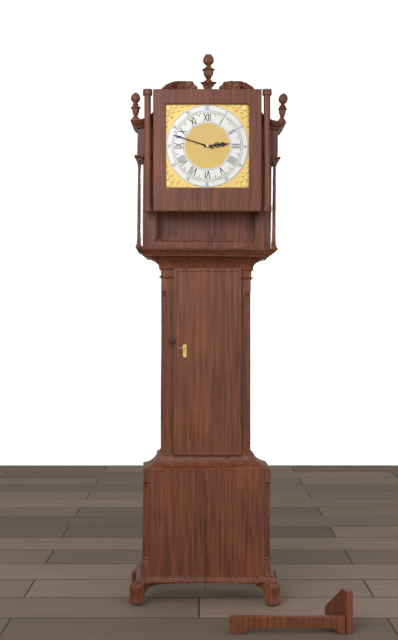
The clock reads 2h48
